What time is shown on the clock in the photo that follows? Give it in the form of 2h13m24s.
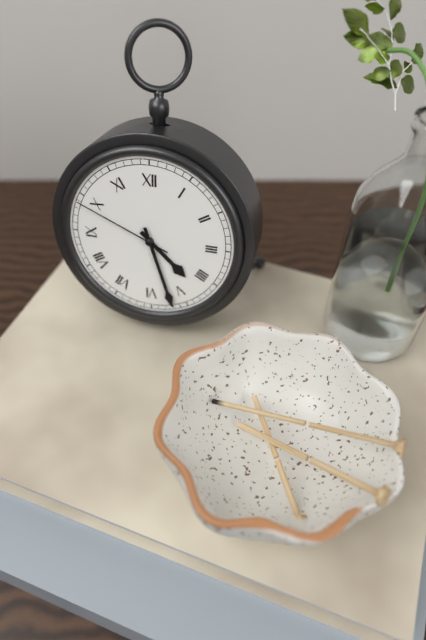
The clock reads 4h27m49s
